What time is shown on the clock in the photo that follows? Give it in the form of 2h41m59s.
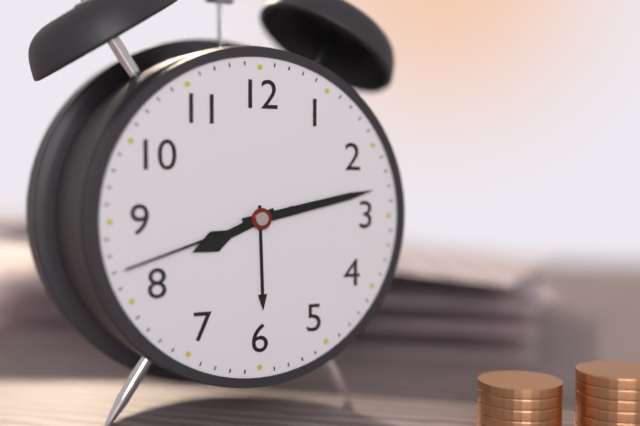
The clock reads 8h13m42s
